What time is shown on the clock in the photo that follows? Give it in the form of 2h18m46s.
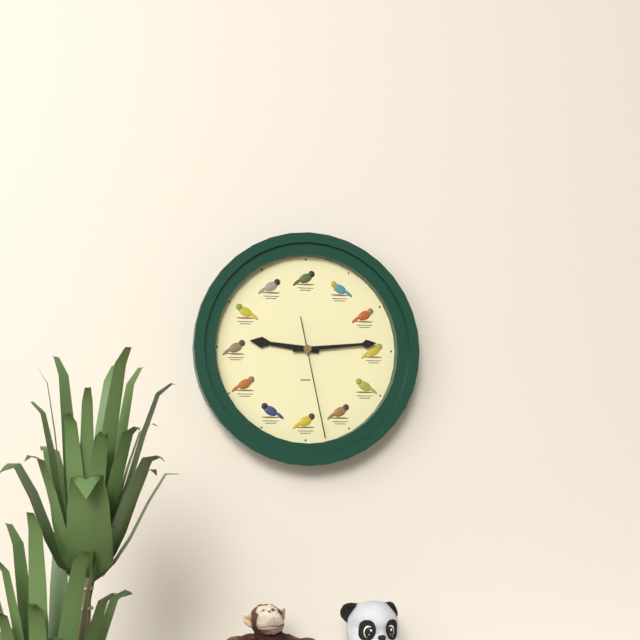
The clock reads 9h14m28s
